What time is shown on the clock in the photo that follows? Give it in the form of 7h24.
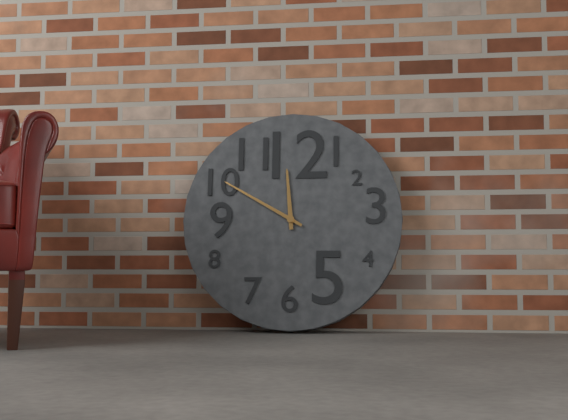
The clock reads 11h50
